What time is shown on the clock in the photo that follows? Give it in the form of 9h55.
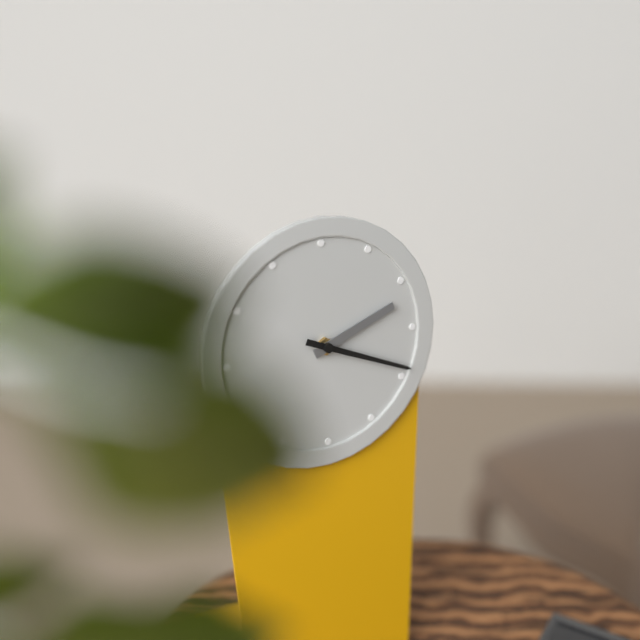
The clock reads 2h19
